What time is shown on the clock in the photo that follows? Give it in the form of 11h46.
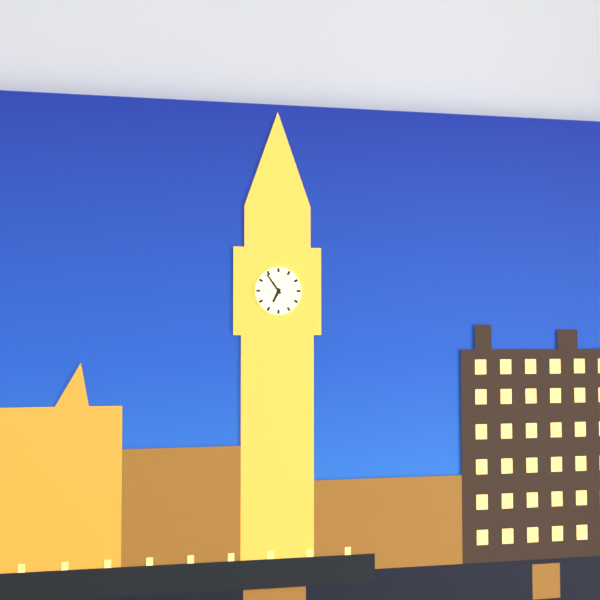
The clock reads 6h54
